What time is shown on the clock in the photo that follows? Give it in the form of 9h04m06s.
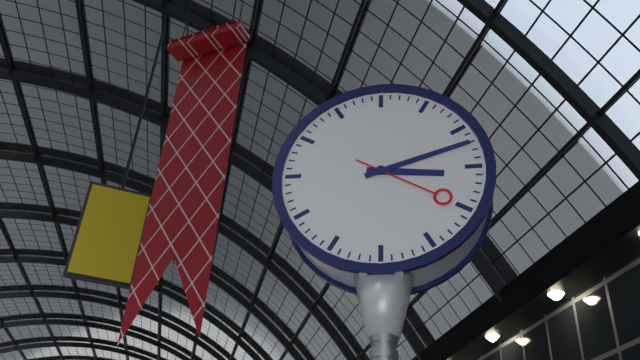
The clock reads 3h12m20s
